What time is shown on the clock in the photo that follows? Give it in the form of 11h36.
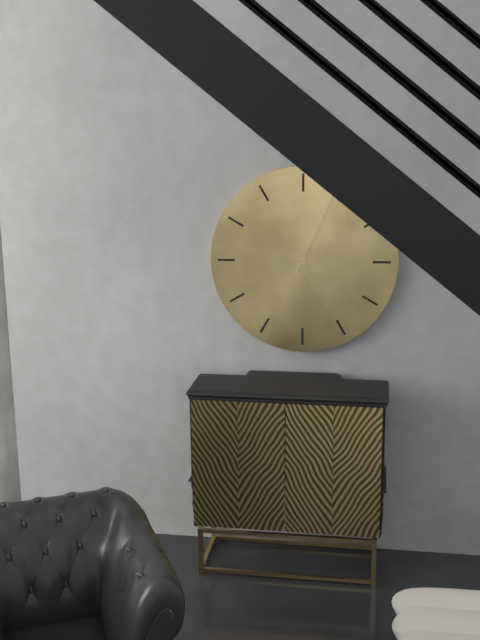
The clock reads 5h04
